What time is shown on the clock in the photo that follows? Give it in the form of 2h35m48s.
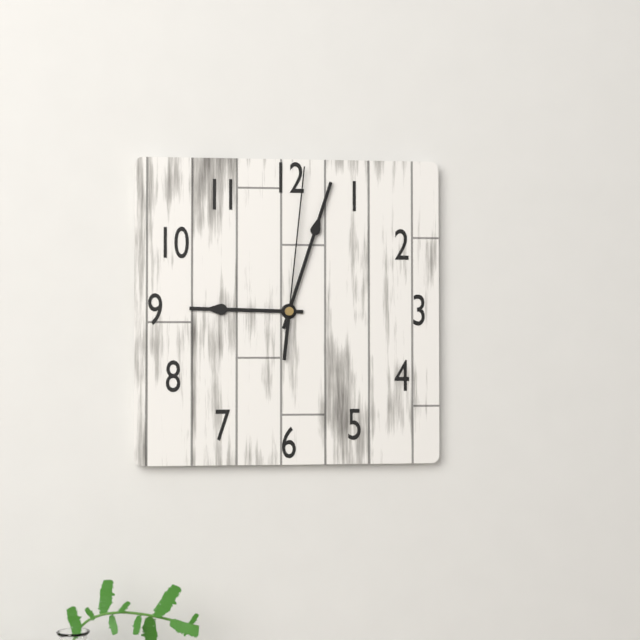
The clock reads 9h03m01s
